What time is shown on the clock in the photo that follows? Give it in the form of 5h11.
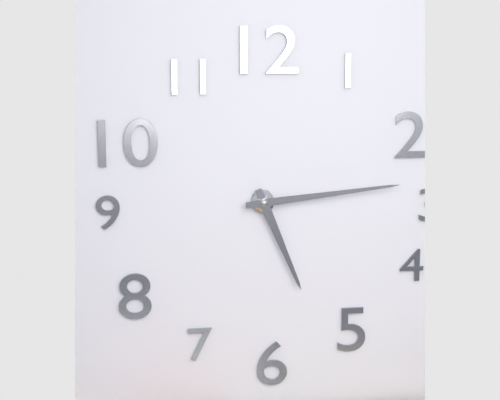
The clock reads 5h14
